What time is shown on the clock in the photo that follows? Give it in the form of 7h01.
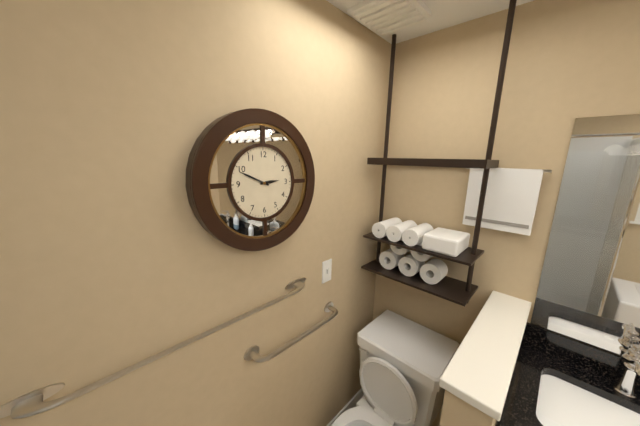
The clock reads 2h49
